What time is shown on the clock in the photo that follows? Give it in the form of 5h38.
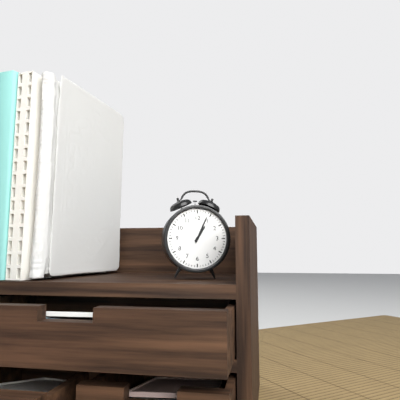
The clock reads 1h04
